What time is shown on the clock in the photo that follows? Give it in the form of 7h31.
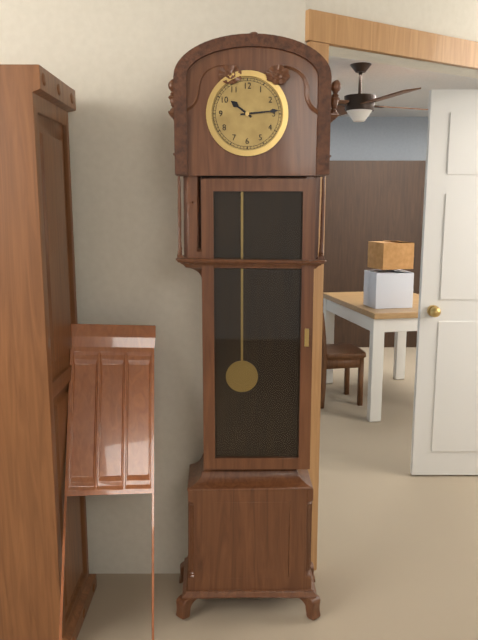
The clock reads 10h14
